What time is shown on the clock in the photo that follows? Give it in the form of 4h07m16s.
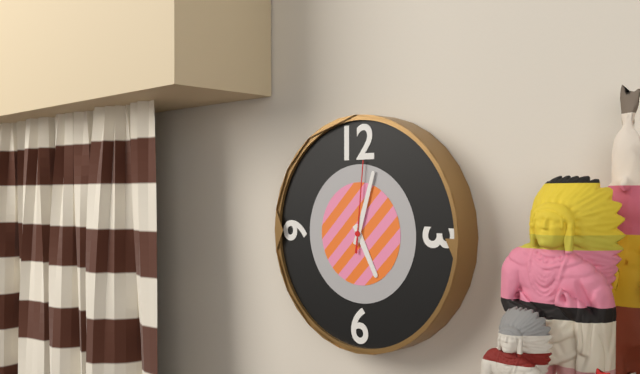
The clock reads 5h03m01s
